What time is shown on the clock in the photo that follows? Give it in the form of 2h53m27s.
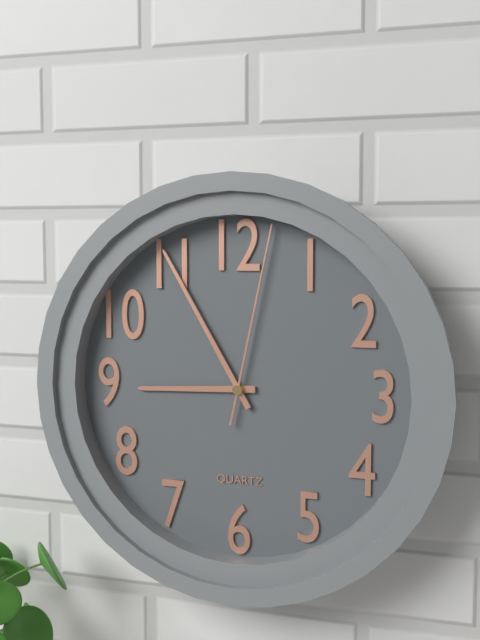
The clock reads 8h55m02s
